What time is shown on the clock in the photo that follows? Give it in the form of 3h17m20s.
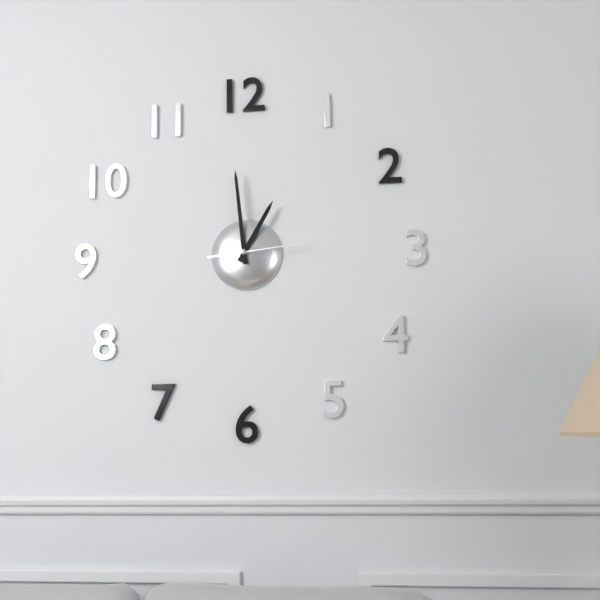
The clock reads 12h59m14s
